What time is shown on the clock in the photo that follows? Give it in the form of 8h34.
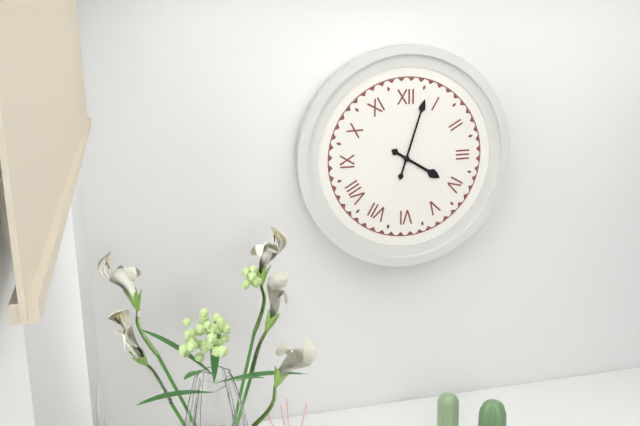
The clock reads 4h03
